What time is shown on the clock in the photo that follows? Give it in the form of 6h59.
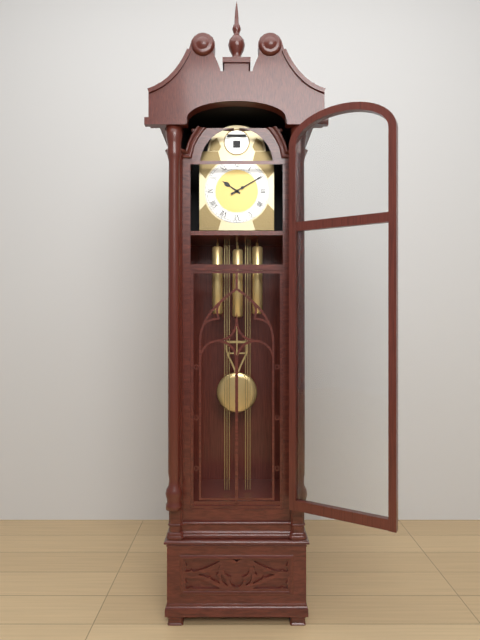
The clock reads 10h10
